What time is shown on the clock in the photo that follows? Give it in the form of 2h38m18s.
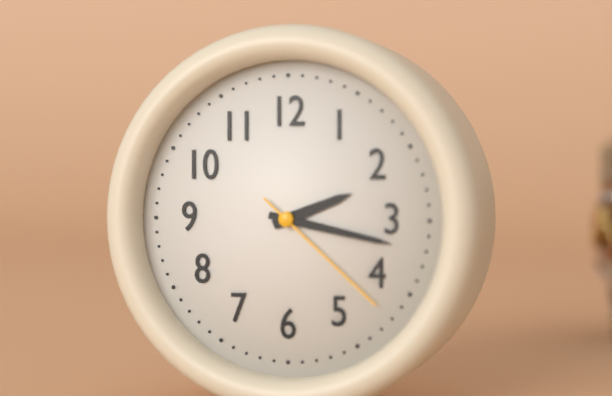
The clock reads 2h17m22s
